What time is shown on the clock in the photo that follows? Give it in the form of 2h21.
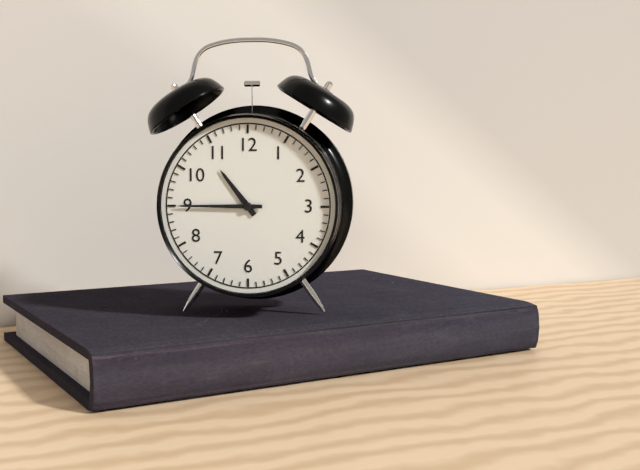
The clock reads 10h45
